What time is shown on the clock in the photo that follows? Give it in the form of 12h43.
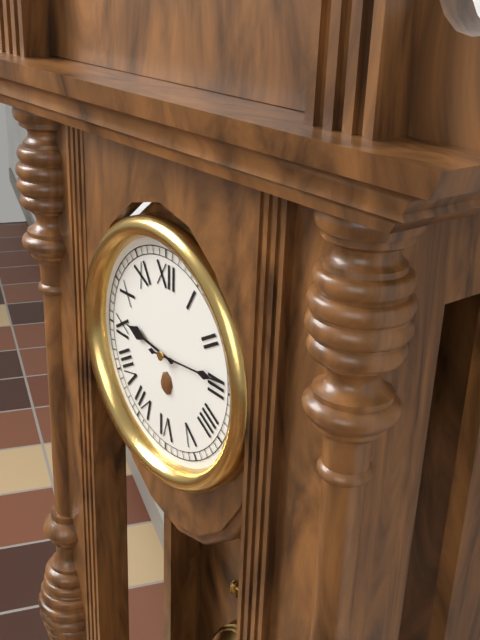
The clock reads 9h14
